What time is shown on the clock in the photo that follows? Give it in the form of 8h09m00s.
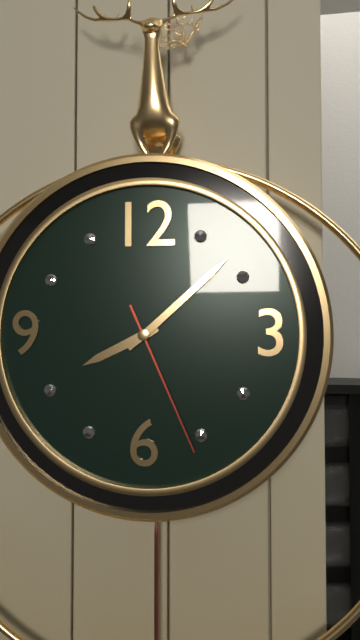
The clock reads 8h08m26s
